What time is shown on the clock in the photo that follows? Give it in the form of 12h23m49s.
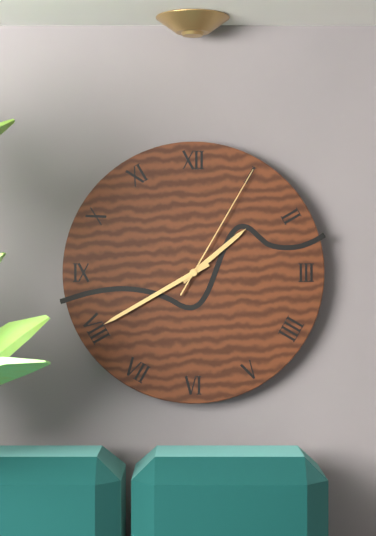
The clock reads 1h40m05s
